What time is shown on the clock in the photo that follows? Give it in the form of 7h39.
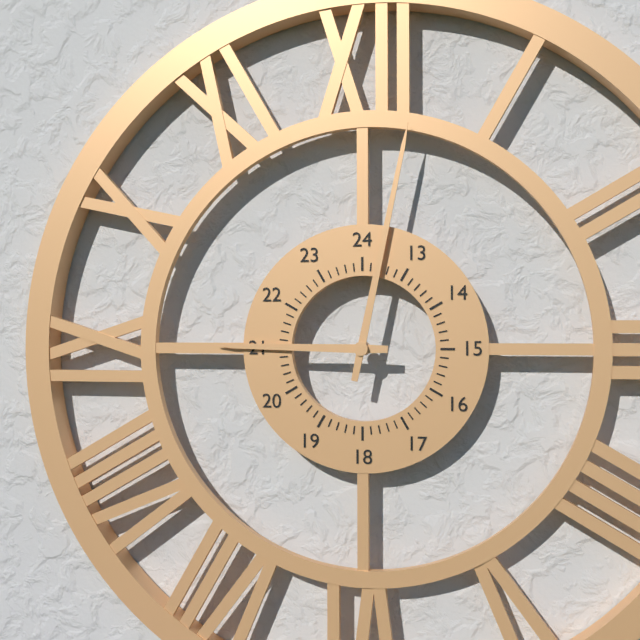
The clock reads 9h02
